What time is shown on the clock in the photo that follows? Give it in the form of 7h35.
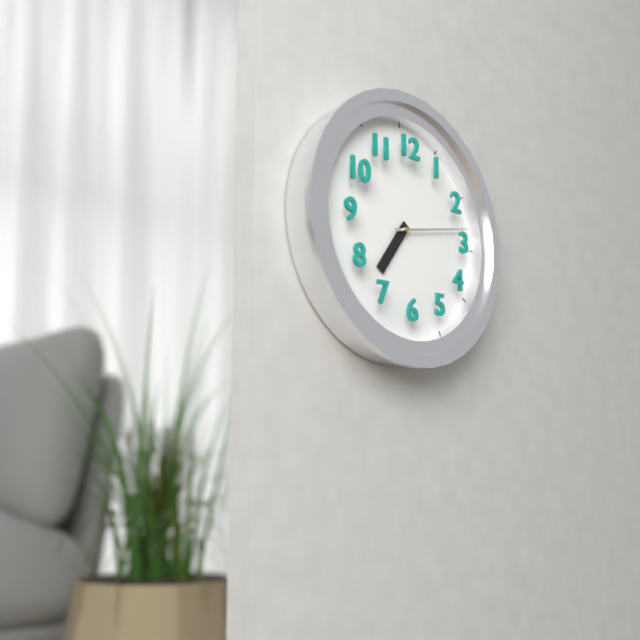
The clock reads 7h13
